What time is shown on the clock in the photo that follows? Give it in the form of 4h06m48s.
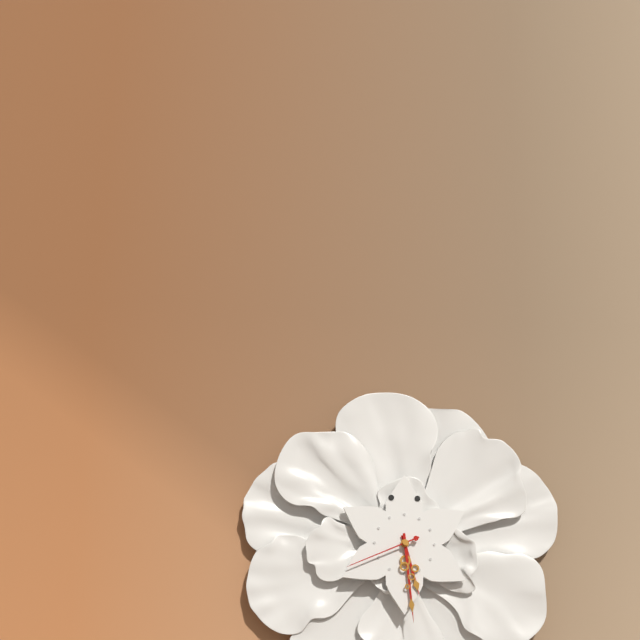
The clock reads 5h29m41s
